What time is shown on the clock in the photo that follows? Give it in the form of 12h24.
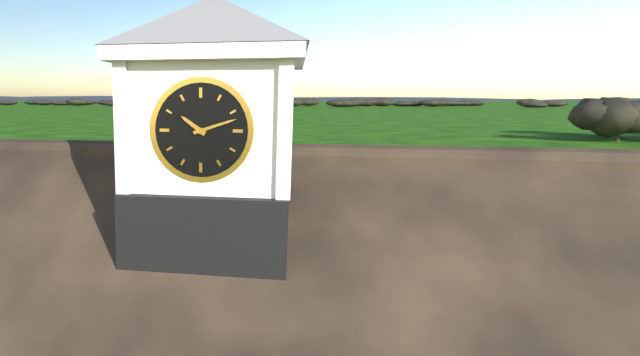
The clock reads 10h12
